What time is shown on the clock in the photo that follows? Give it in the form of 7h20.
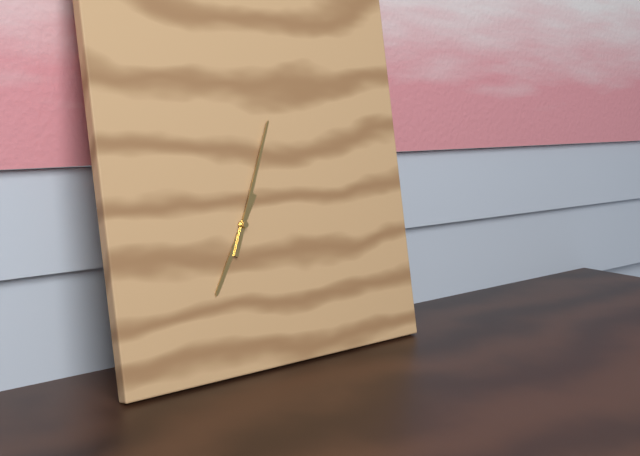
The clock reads 7h04
